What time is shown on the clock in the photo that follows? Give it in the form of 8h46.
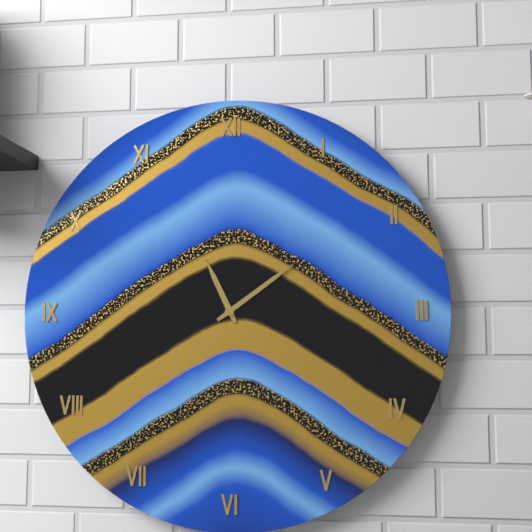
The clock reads 11h09
